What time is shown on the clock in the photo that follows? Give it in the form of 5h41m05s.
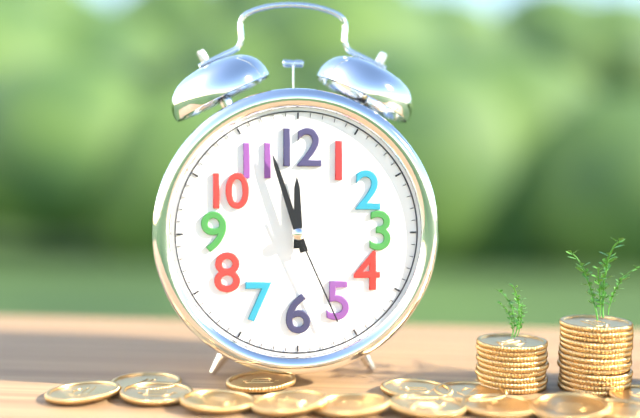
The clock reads 11h57m26s
